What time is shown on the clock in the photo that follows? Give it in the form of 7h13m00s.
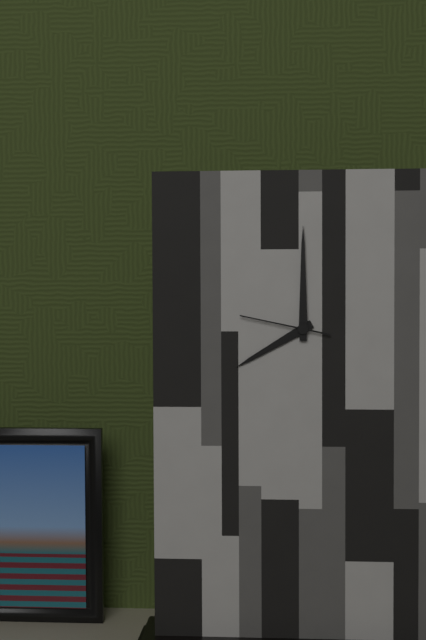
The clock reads 8h00m47s
